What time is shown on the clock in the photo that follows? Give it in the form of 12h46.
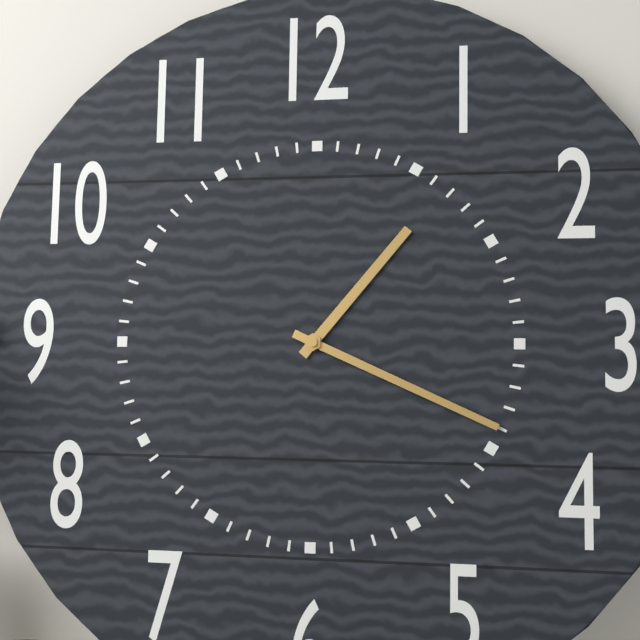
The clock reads 1h19
